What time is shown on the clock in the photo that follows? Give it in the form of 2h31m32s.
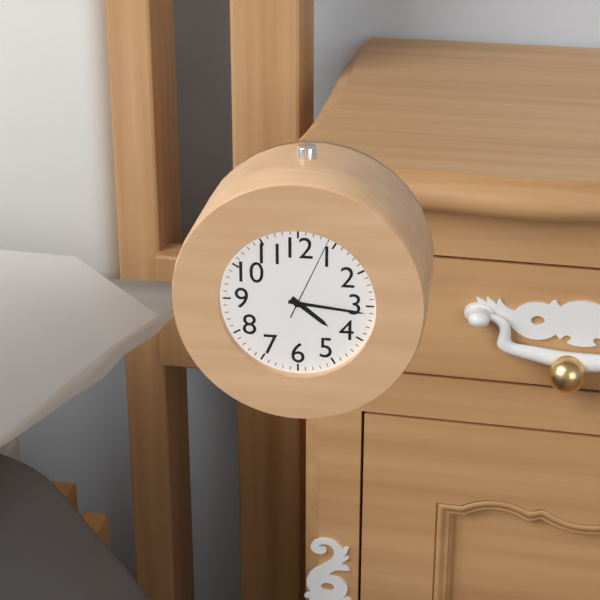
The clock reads 4h16m04s
